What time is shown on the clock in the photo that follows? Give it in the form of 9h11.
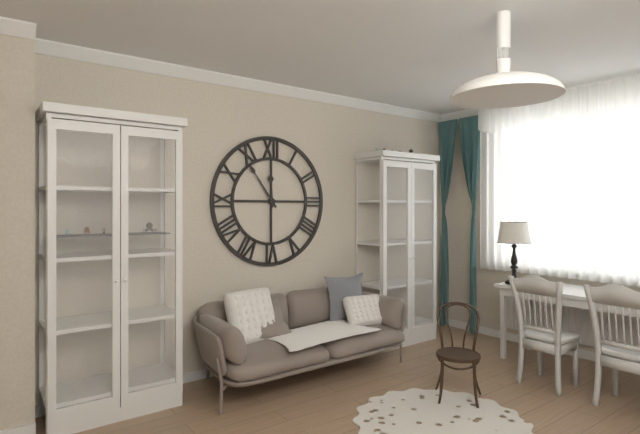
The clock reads 11h54
